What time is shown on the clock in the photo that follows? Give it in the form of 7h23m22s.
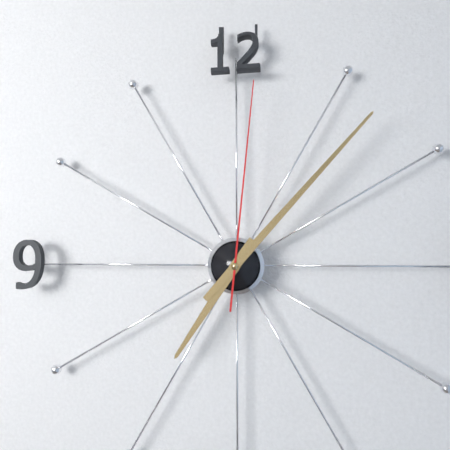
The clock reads 7h07m01s
